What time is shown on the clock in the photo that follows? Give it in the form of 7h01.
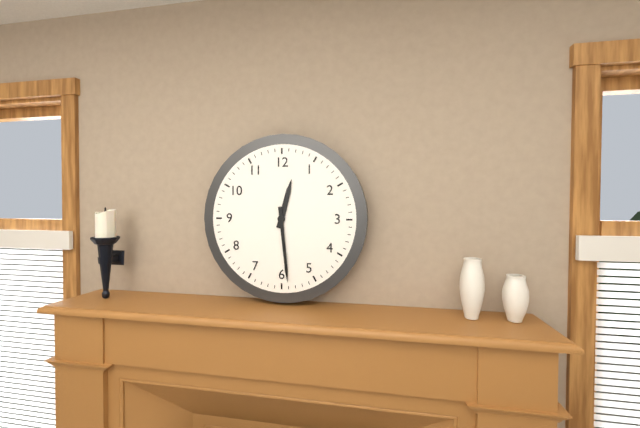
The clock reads 12h29
